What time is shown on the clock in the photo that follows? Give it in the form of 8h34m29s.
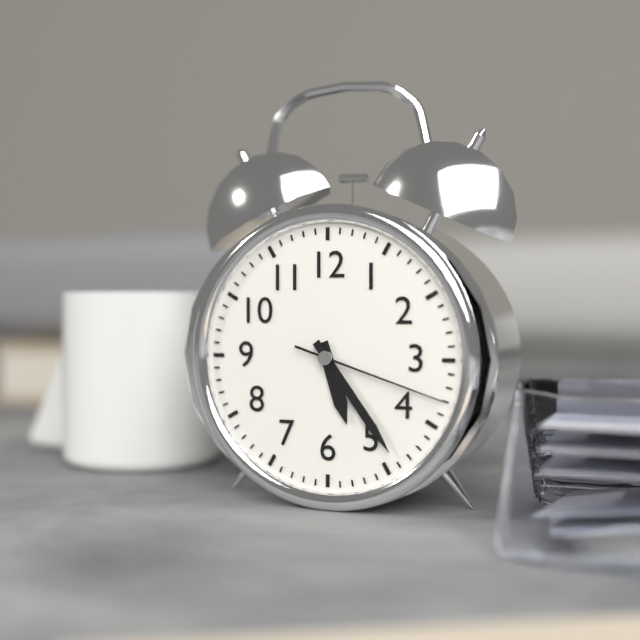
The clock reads 5h24m18s
